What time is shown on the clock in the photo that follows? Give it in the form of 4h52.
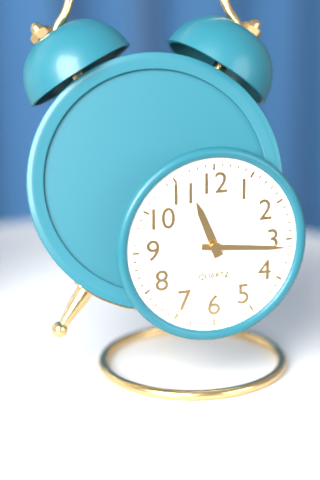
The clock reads 11h16
